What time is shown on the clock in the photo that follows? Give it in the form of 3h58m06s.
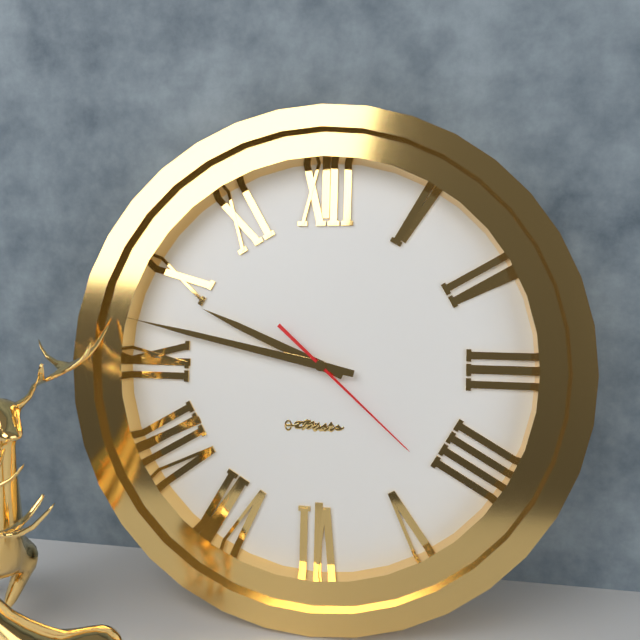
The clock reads 9h47m22s
